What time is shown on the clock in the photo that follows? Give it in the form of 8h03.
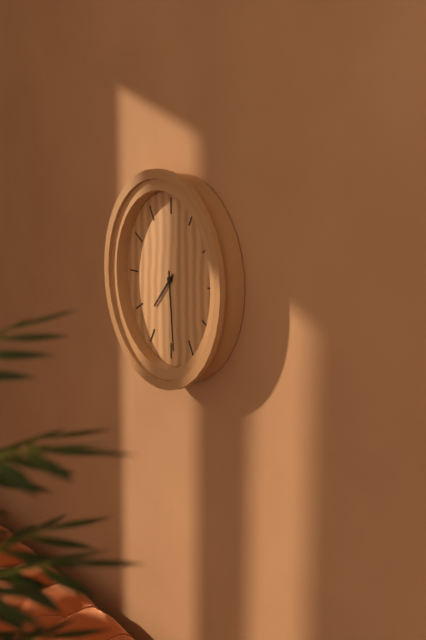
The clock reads 7h29
